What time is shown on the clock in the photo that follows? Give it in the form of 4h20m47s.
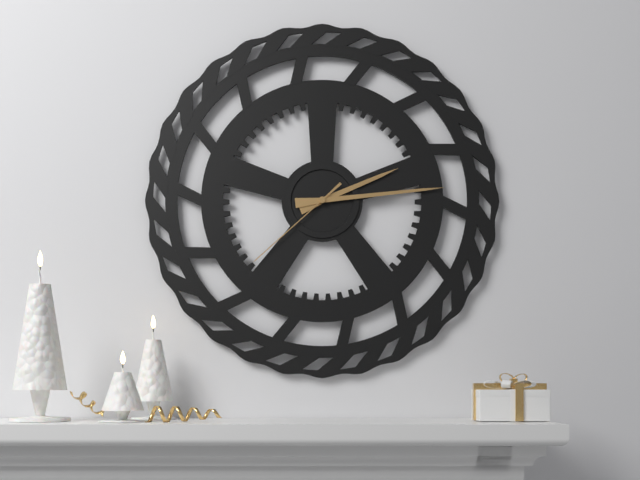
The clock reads 2h14m38s
